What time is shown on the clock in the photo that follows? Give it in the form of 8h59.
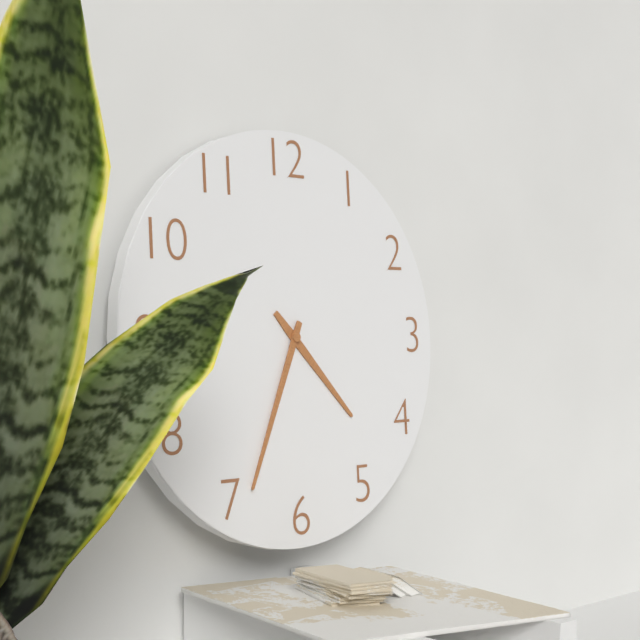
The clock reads 4h34
